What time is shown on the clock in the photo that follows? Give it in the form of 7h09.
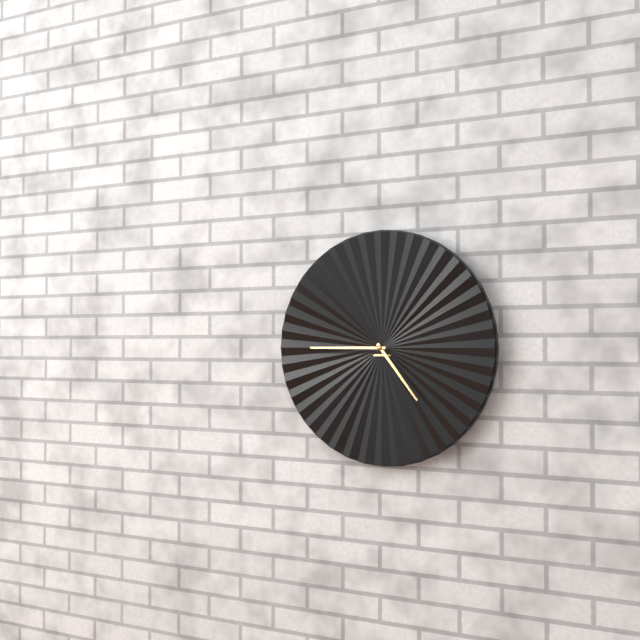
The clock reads 4h45
